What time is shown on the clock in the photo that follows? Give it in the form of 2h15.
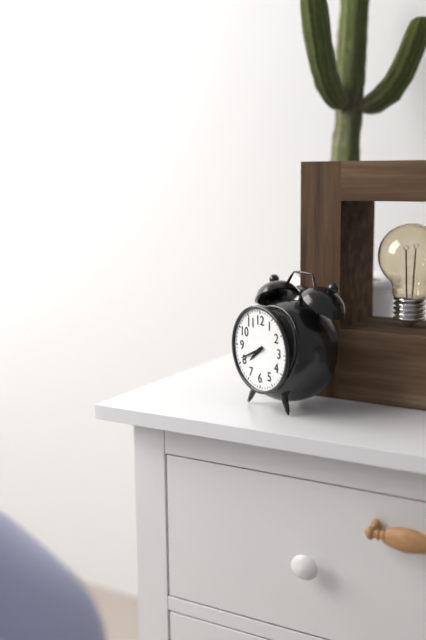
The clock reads 7h41
